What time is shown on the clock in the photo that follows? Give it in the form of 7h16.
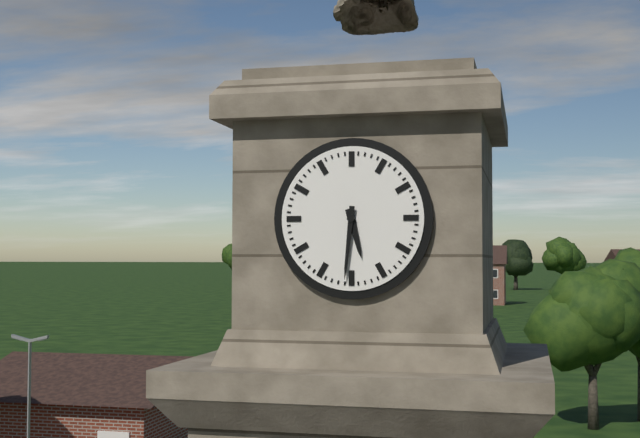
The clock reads 5h31
